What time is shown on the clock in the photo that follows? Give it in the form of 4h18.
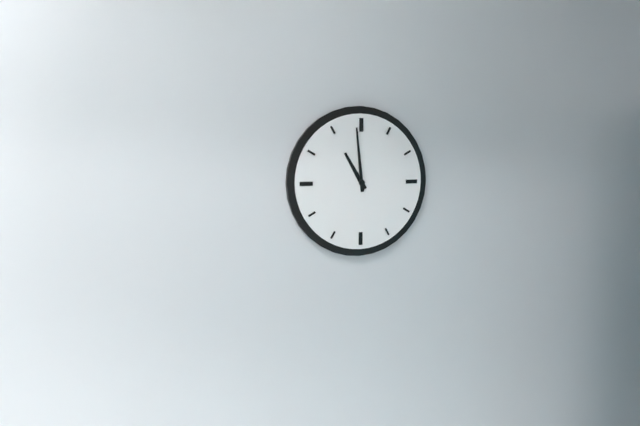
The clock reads 10h59
